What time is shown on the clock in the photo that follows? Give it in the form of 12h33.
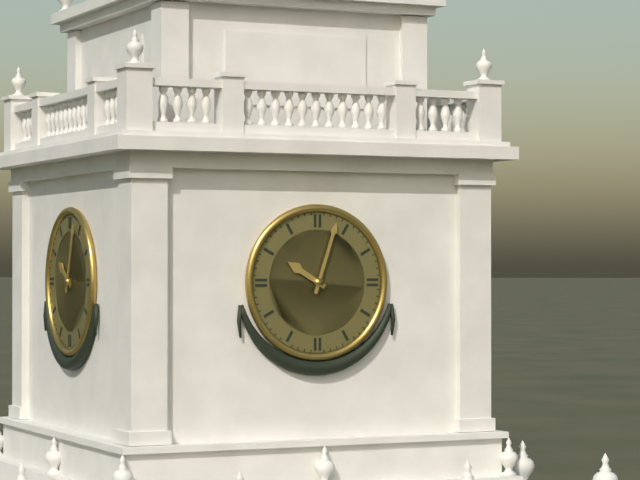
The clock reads 10h03
